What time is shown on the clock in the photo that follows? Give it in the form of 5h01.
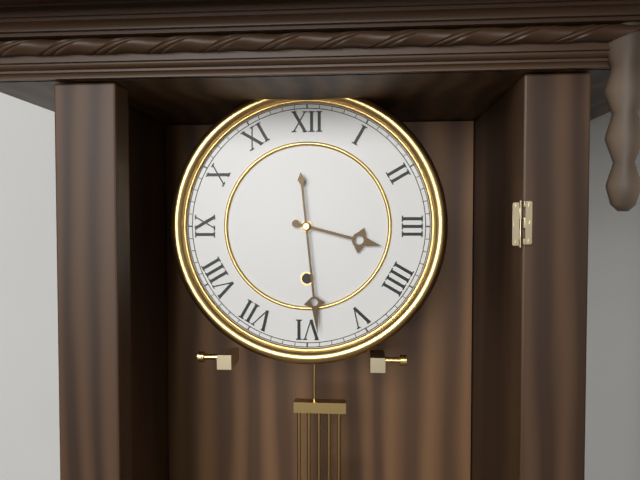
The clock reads 3h29
